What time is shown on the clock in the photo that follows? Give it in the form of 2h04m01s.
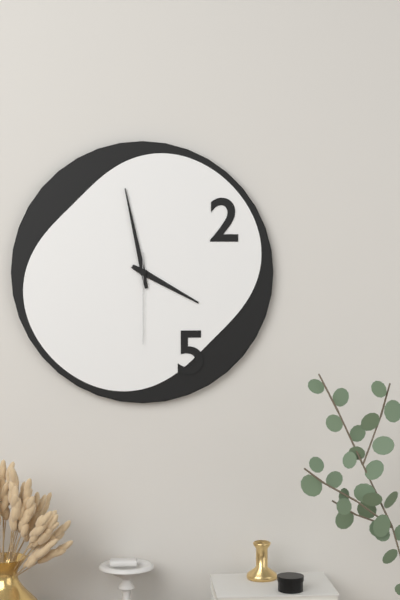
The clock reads 3h58m30s
